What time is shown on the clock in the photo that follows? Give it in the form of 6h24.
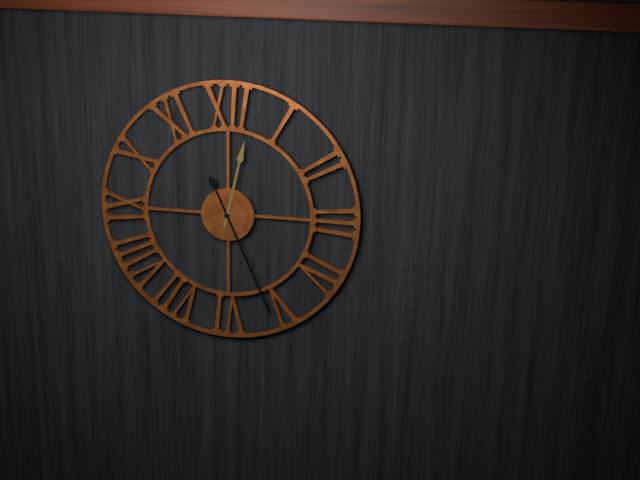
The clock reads 12h26
